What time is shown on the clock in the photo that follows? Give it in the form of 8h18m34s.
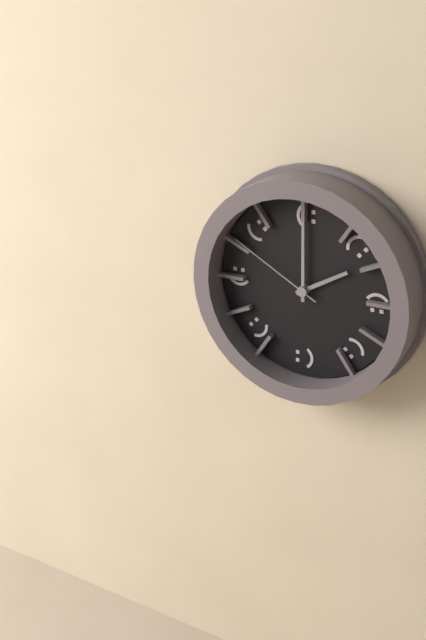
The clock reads 2h00m50s
